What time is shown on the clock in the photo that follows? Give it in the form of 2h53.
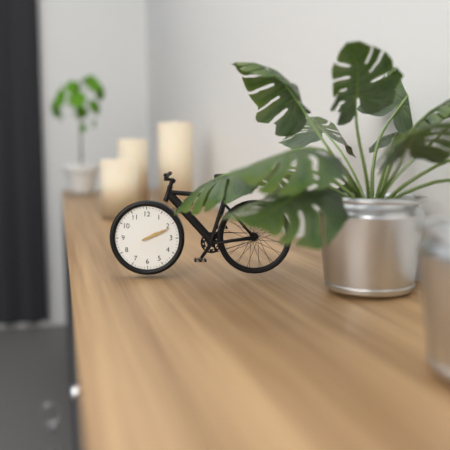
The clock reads 2h11
